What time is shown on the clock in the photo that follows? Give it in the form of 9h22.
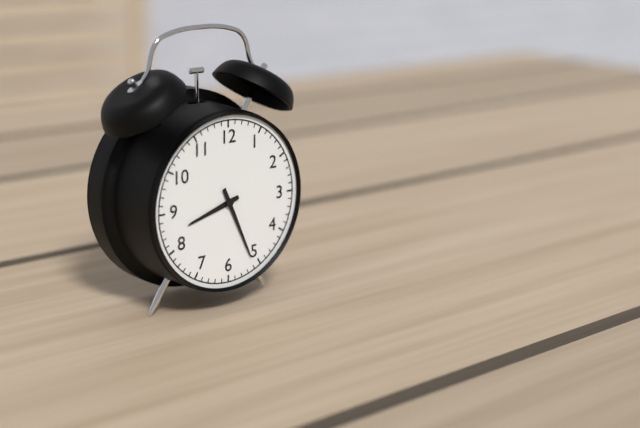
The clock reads 8h26
